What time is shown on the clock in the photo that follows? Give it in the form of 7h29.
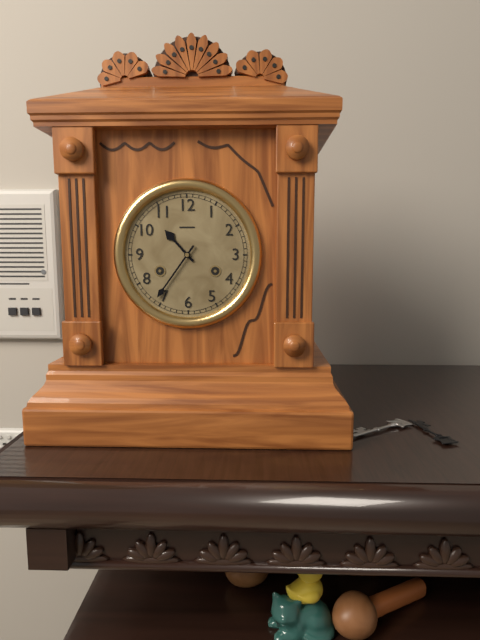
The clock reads 10h36
